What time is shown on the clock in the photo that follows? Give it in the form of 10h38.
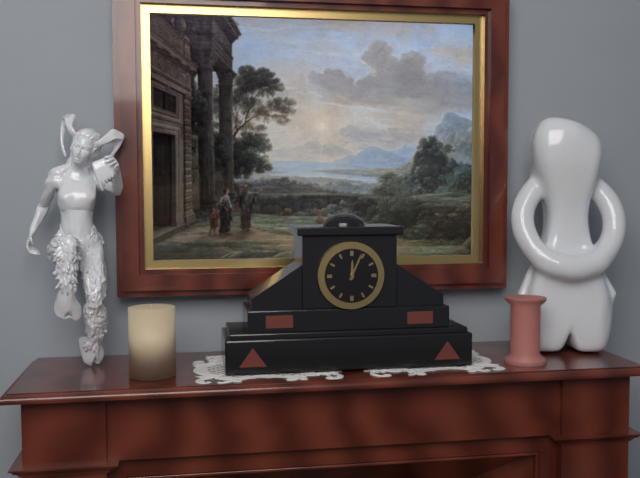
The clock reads 12h04
